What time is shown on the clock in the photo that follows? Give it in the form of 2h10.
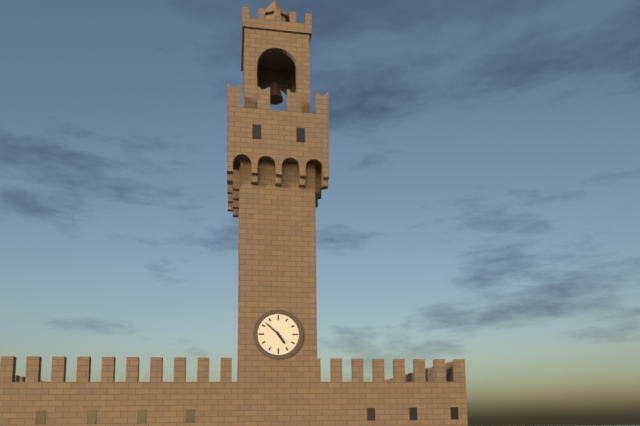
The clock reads 4h52
